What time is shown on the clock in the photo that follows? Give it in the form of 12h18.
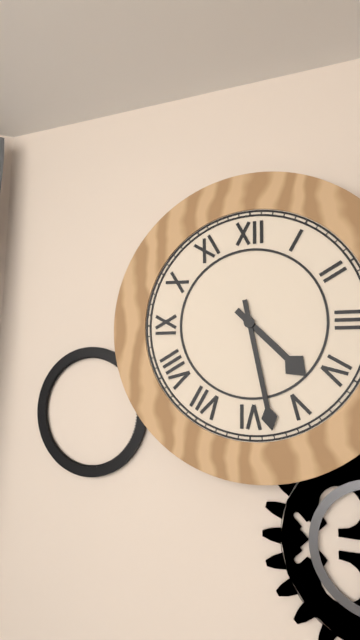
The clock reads 4h28
